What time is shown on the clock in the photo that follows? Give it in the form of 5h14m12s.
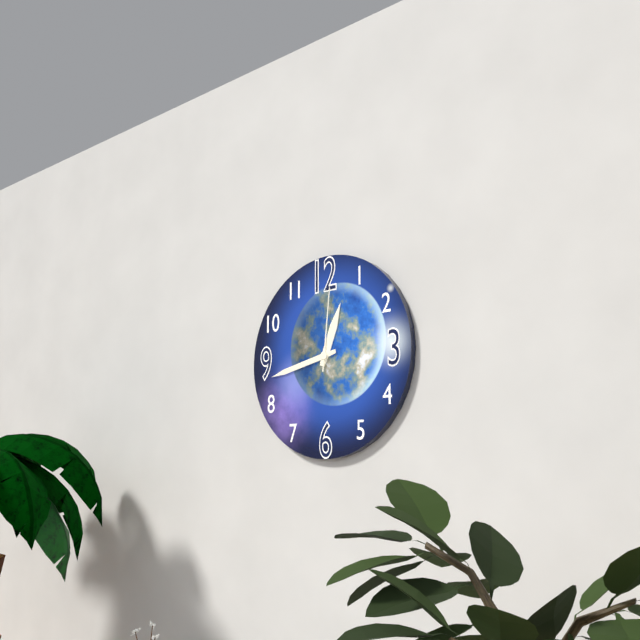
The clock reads 12h43m01s
